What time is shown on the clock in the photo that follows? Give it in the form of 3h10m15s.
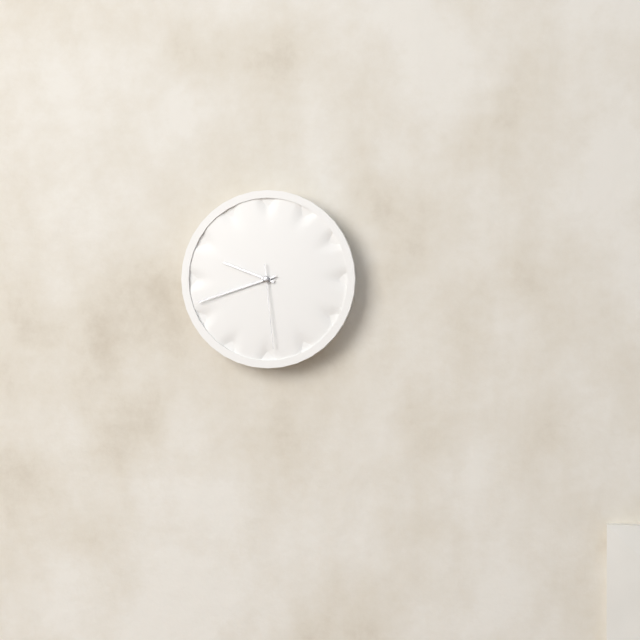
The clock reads 9h42m29s
